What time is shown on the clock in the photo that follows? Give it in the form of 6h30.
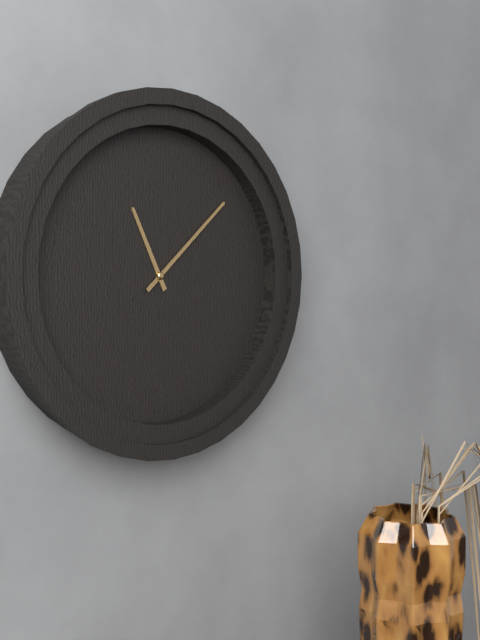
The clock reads 11h08
